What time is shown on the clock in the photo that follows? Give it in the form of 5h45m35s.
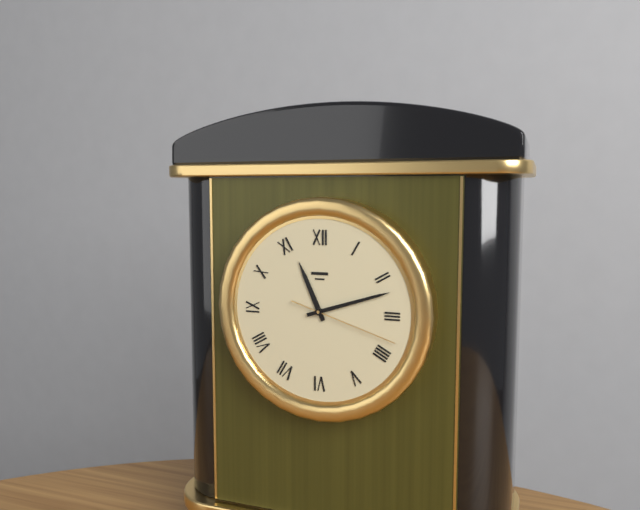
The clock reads 11h12m18s
